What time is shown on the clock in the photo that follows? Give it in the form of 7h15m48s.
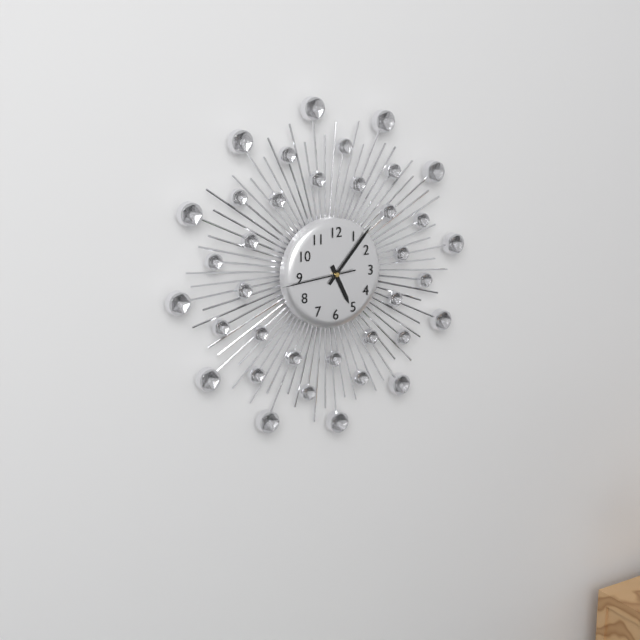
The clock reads 5h07m44s
